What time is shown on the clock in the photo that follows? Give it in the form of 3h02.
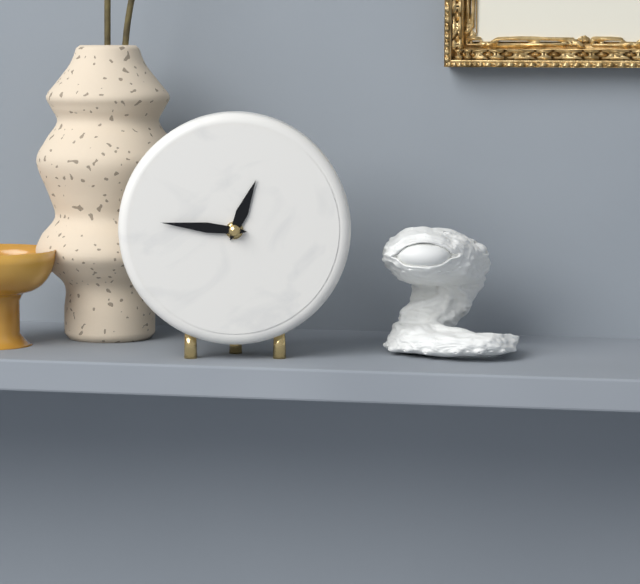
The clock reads 12h46
